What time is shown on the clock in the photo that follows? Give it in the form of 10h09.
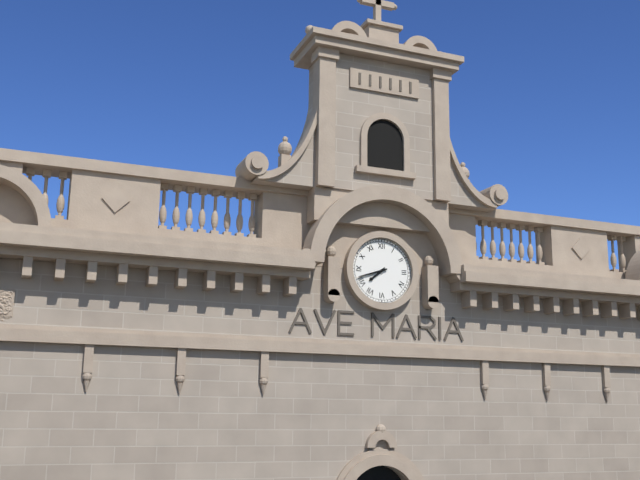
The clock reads 7h42
